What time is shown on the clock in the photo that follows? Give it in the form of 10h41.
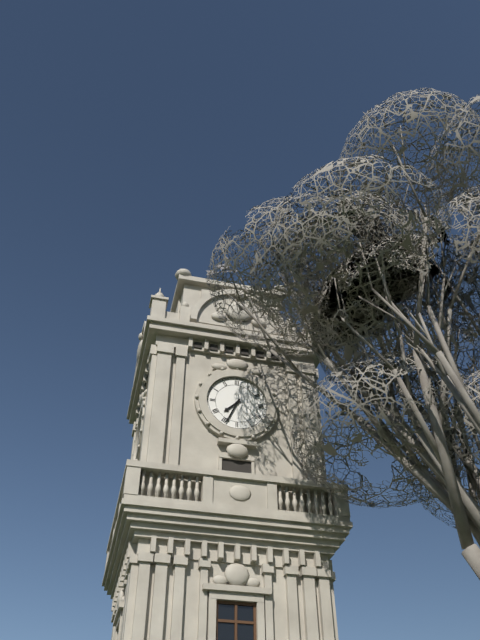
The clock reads 7h34
